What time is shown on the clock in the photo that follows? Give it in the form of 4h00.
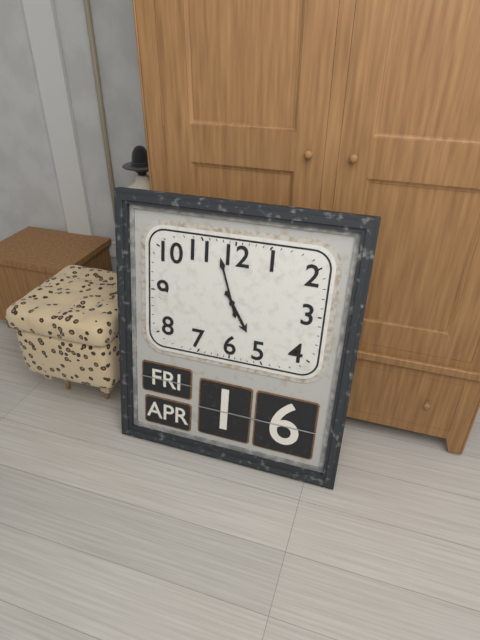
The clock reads 4h57
